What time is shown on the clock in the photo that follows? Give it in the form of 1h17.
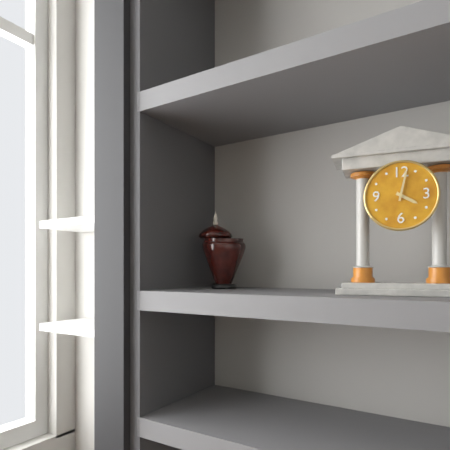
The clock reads 4h02
